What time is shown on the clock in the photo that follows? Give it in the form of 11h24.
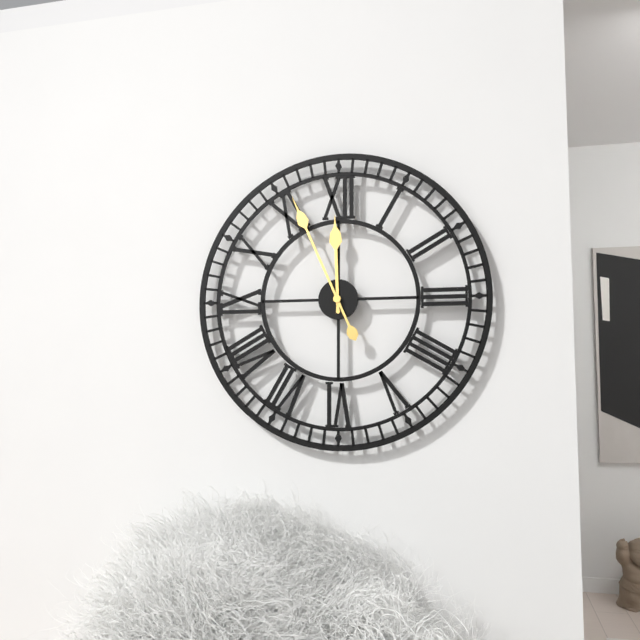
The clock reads 11h56
